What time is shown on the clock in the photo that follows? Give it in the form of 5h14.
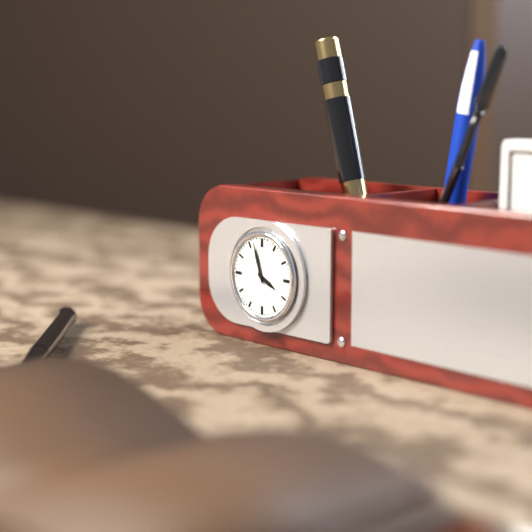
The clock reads 3h57
